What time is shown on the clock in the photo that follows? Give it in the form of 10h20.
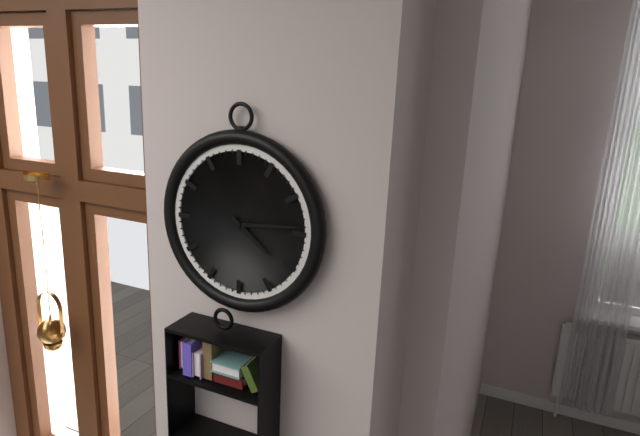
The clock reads 4h14
